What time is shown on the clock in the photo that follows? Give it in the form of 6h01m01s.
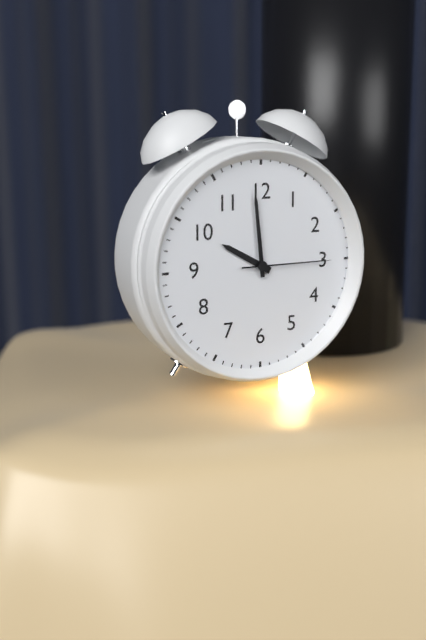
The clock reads 9h59m15s
